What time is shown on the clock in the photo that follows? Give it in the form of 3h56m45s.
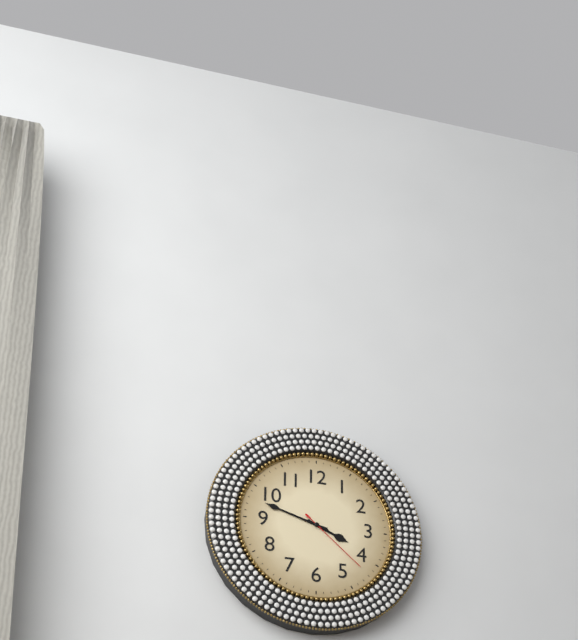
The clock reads 3h48m22s
